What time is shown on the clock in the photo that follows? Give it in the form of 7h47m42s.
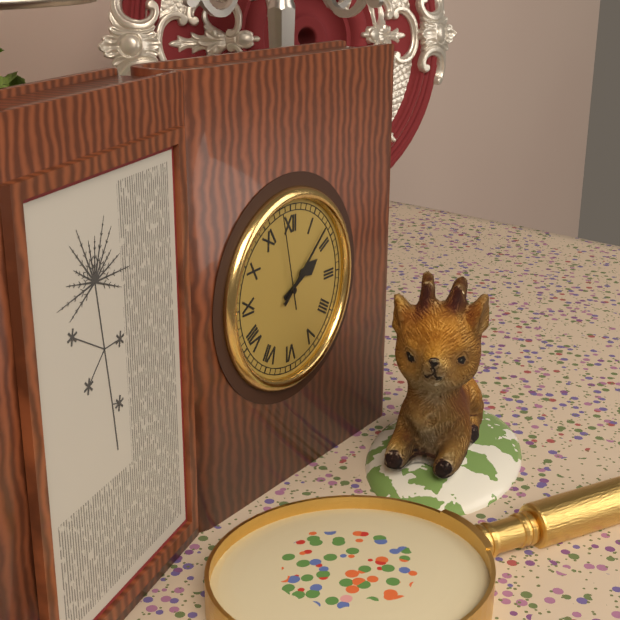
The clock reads 2h08m58s
